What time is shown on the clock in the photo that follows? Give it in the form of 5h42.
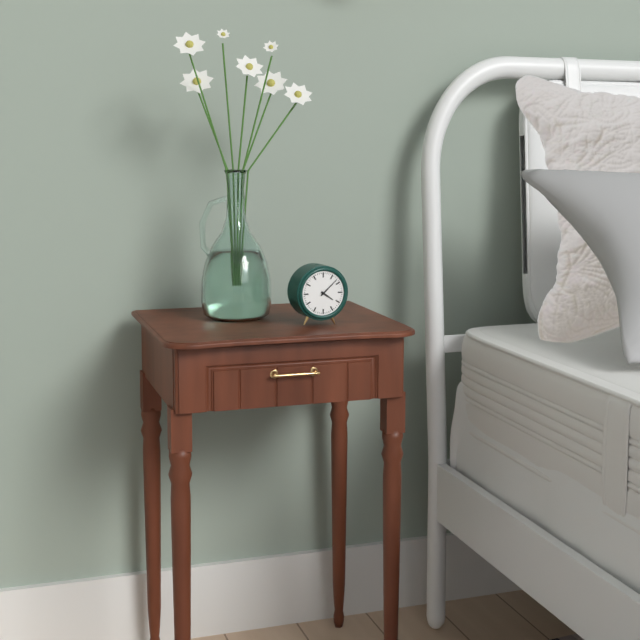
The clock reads 4h08
